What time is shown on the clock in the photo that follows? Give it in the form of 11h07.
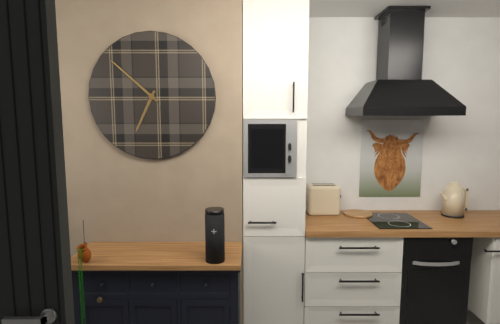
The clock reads 6h52
